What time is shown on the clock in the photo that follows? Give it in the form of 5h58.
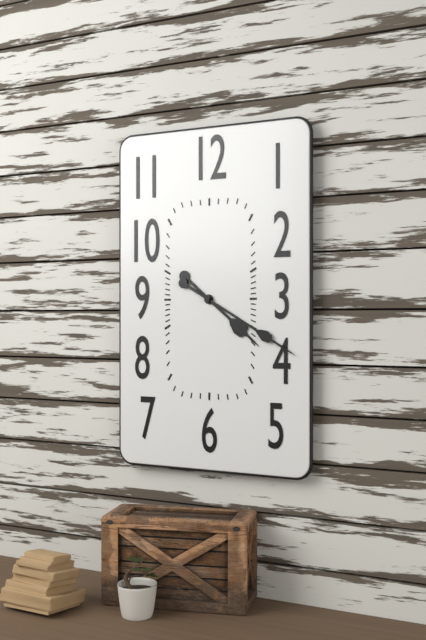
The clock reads 4h20
